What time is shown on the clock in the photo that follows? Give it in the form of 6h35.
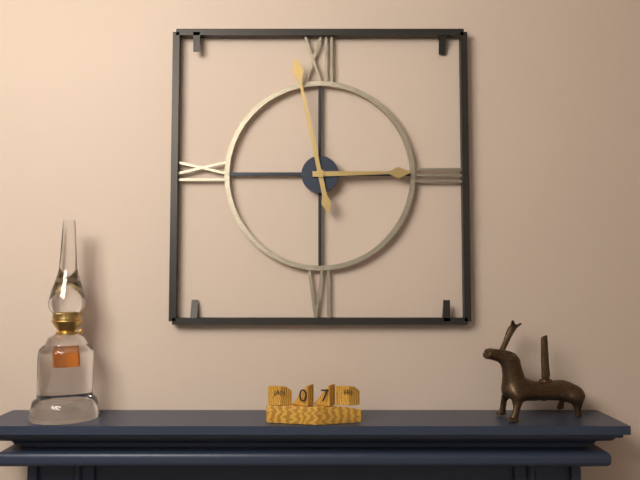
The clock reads 2h58
